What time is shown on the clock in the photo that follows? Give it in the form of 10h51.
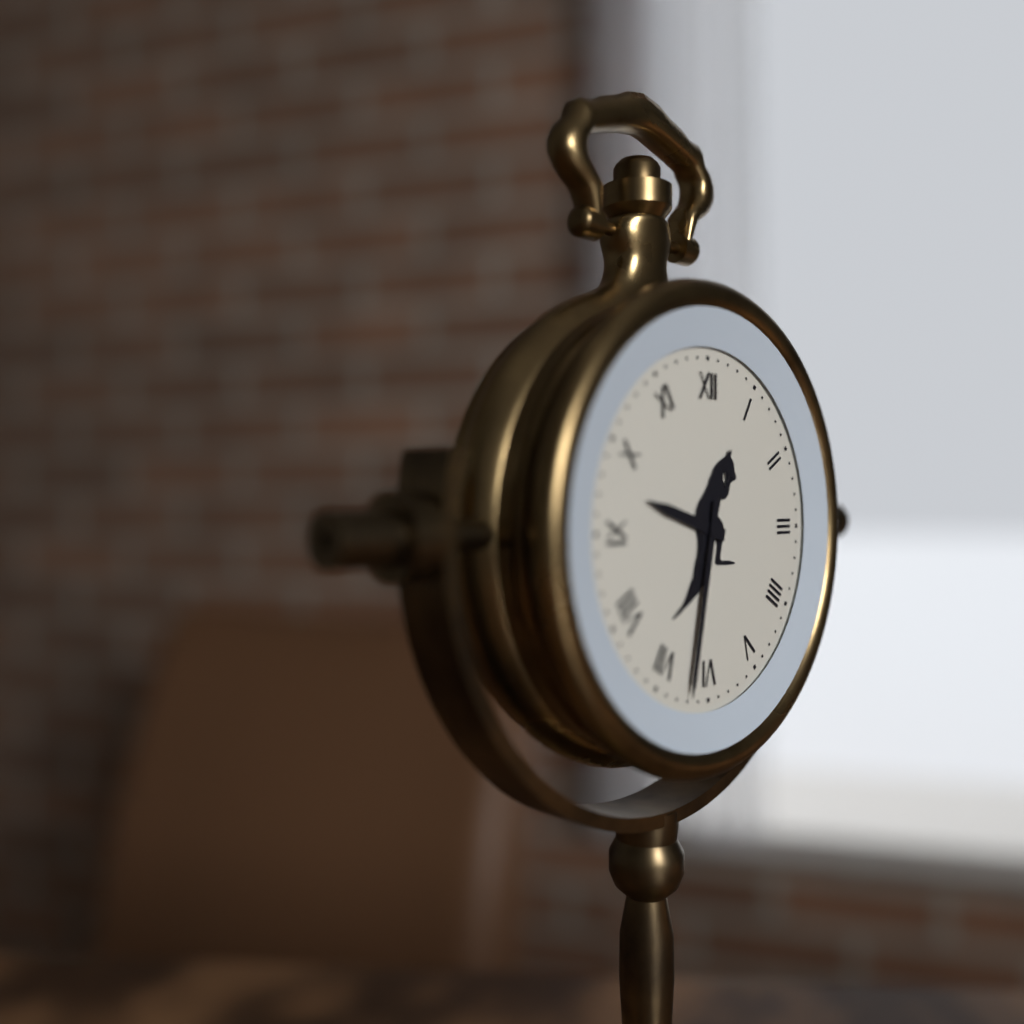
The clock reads 9h32
